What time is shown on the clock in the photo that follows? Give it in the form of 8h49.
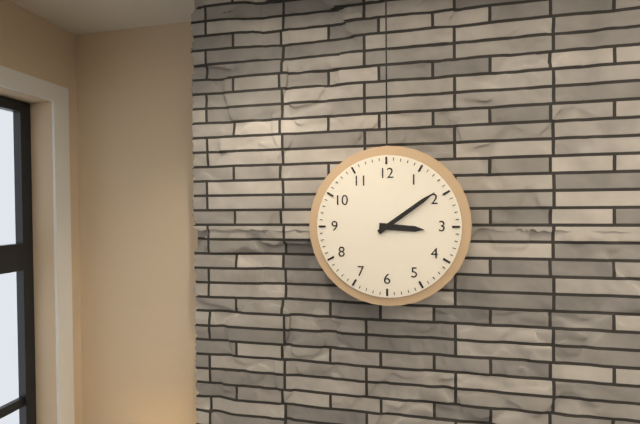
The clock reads 3h09
